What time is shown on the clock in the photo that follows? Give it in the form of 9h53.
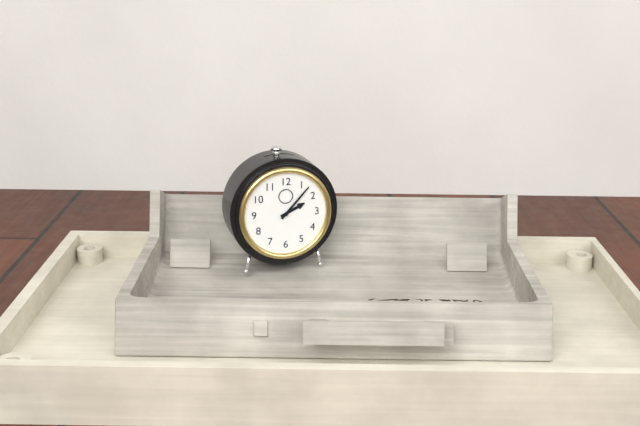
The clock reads 2h07
